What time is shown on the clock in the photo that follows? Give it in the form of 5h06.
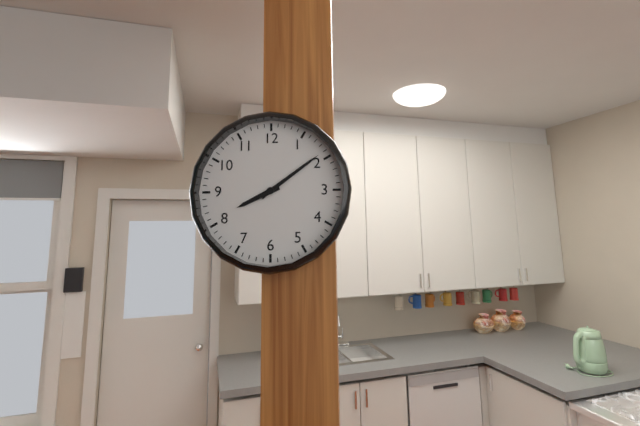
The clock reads 8h09
